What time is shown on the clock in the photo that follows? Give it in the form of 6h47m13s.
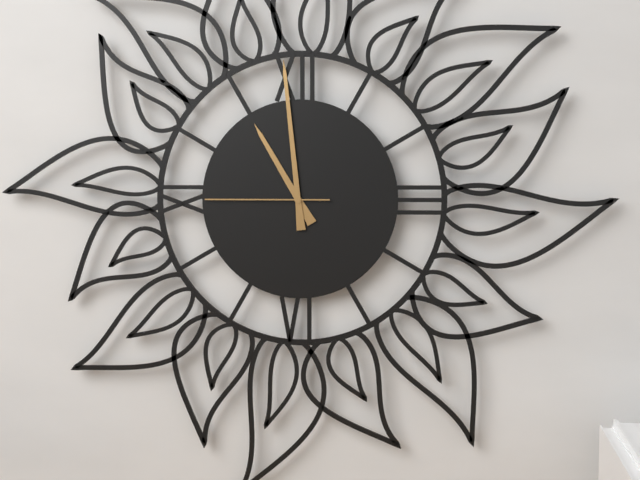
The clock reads 10h59m45s
